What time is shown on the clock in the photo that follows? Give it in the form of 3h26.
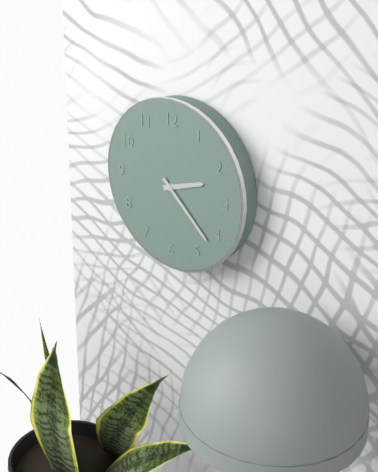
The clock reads 2h22
